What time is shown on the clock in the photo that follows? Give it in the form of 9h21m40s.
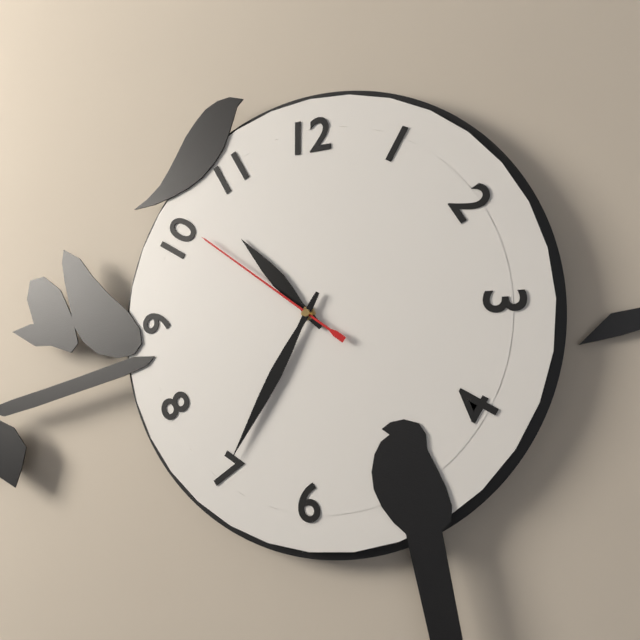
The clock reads 10h35m51s
